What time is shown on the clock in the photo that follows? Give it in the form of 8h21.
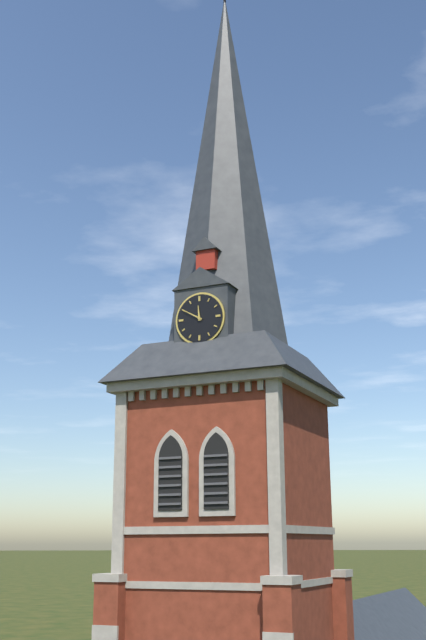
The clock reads 11h50
